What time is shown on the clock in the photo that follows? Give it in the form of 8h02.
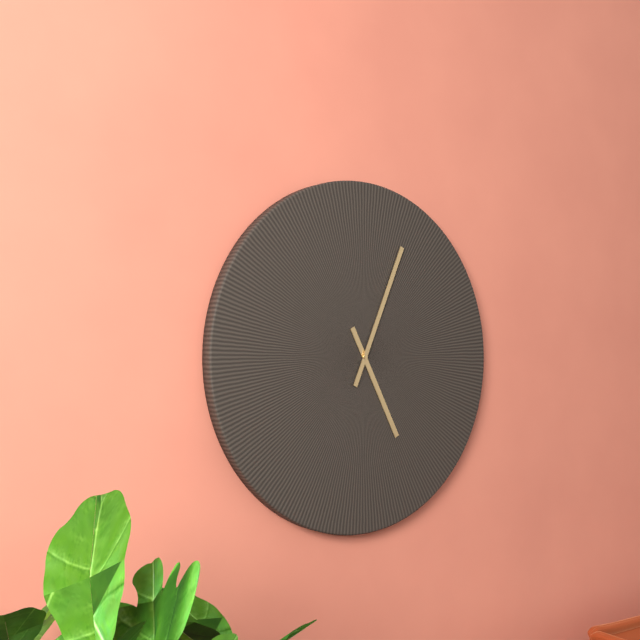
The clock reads 5h04
